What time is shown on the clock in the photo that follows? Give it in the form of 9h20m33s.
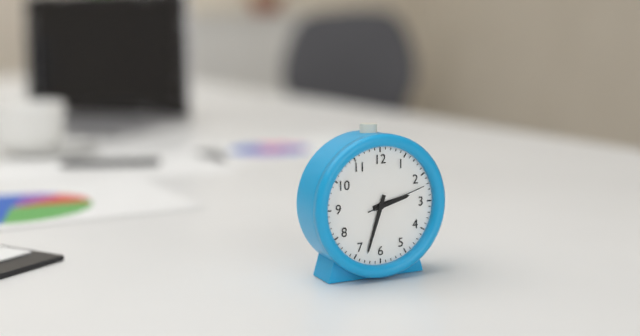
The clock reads 2h33m12s
